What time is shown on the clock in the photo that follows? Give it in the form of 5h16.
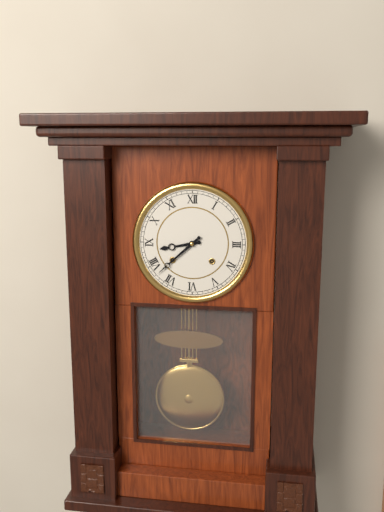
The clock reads 8h38
